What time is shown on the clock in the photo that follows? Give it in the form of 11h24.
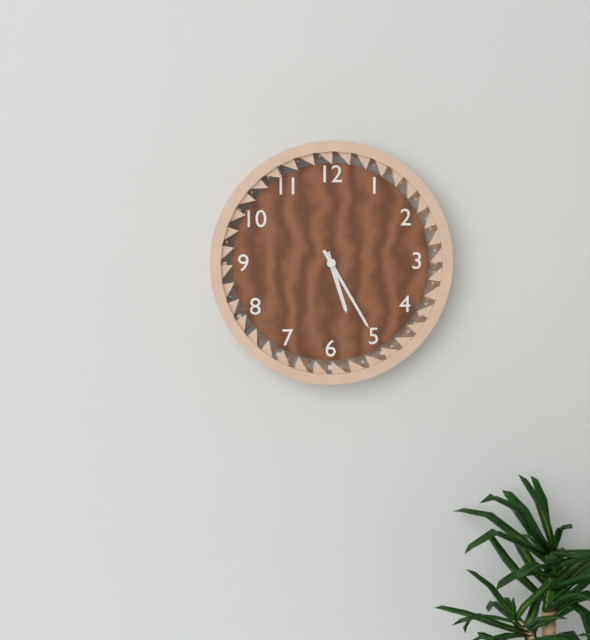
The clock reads 5h25
